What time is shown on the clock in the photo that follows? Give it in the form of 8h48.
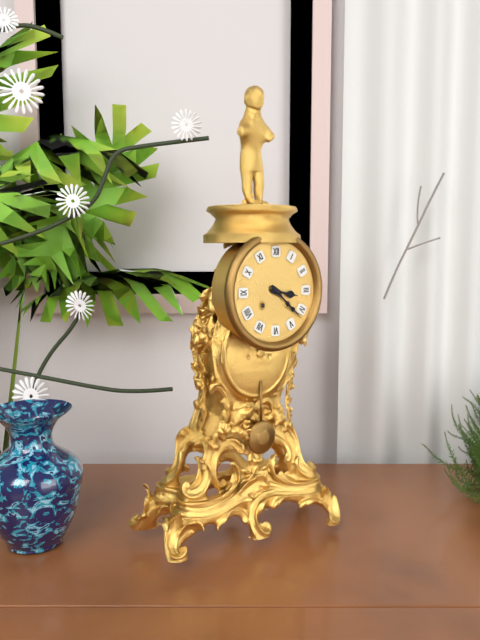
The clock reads 3h22
